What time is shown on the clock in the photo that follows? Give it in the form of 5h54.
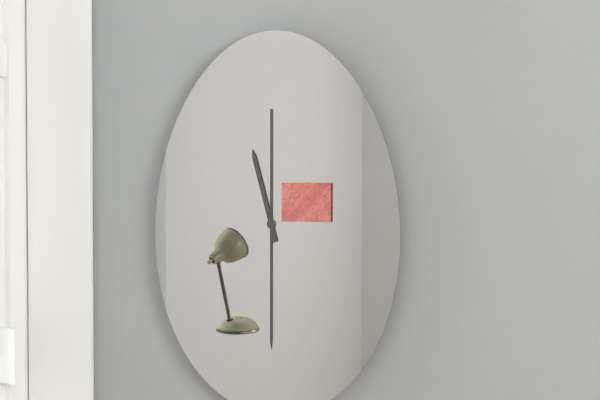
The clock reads 11h30
